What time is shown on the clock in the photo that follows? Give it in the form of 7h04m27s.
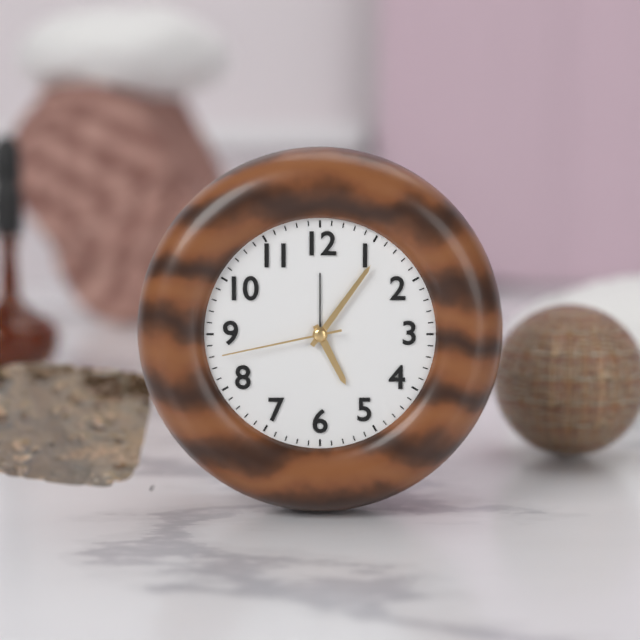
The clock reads 5h06m43s
